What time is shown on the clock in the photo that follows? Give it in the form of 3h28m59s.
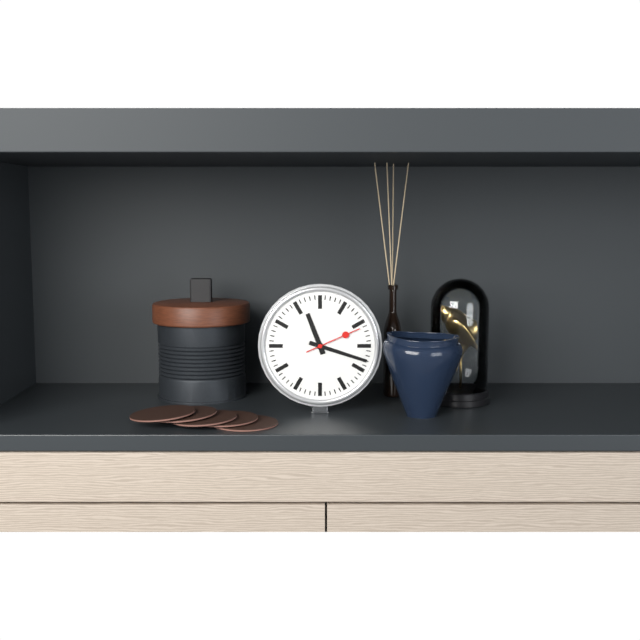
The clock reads 11h18m11s
